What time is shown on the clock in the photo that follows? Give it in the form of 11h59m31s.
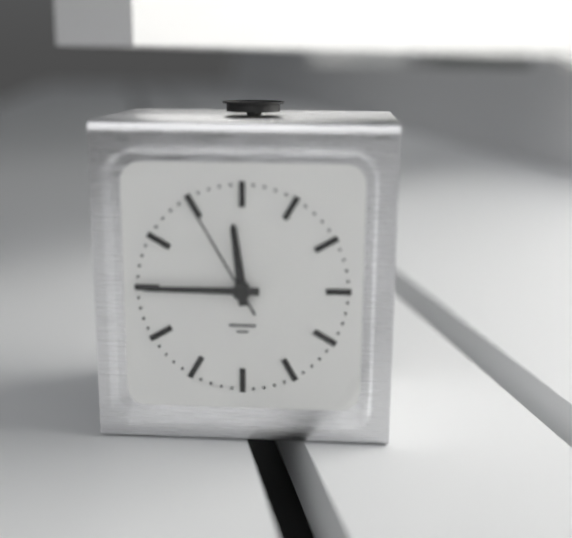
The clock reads 11h45m55s
